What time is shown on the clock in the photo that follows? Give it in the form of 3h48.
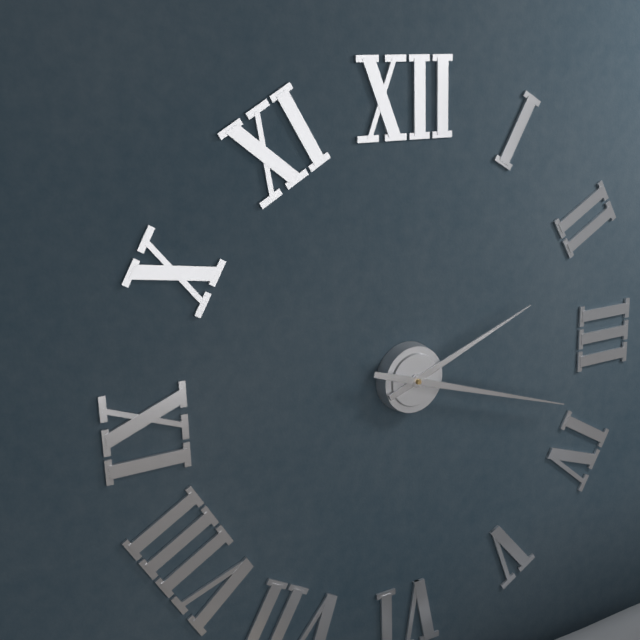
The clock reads 2h18
